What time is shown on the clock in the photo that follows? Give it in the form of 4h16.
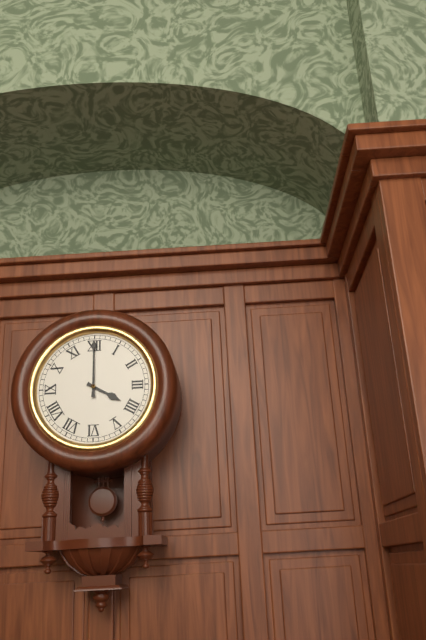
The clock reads 4h00
